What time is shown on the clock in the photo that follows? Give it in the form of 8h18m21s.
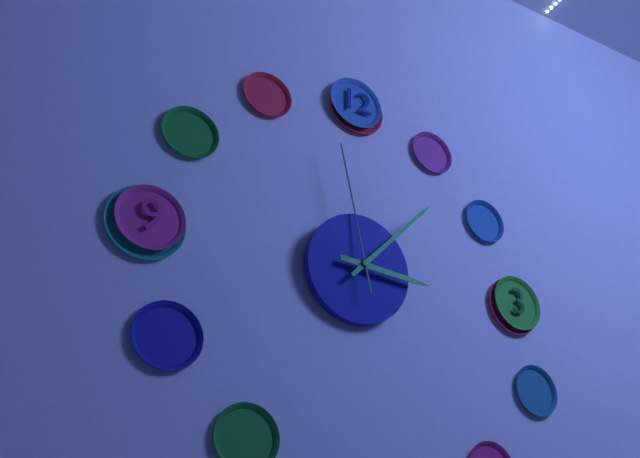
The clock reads 3h07m58s
